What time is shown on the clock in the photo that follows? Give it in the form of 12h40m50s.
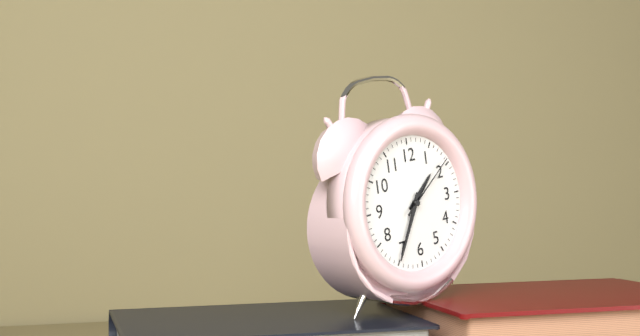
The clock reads 1h35m09s
